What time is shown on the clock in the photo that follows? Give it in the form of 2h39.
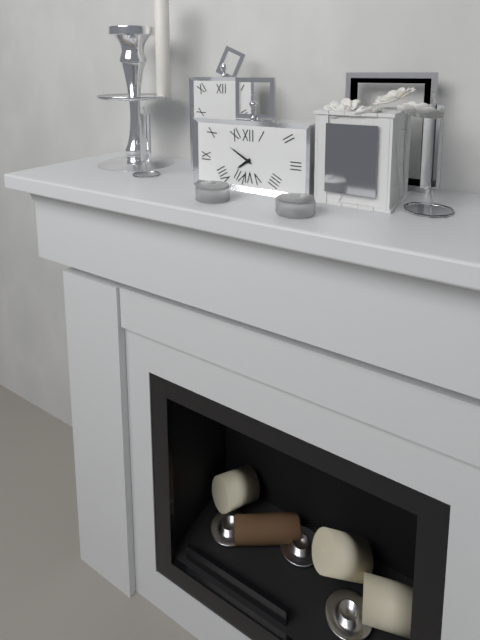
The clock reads 7h50
